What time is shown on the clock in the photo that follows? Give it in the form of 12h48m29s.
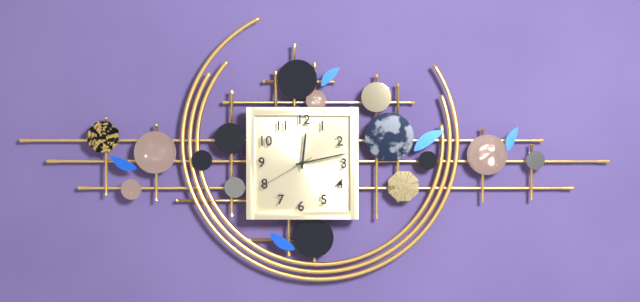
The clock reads 12h13m40s
